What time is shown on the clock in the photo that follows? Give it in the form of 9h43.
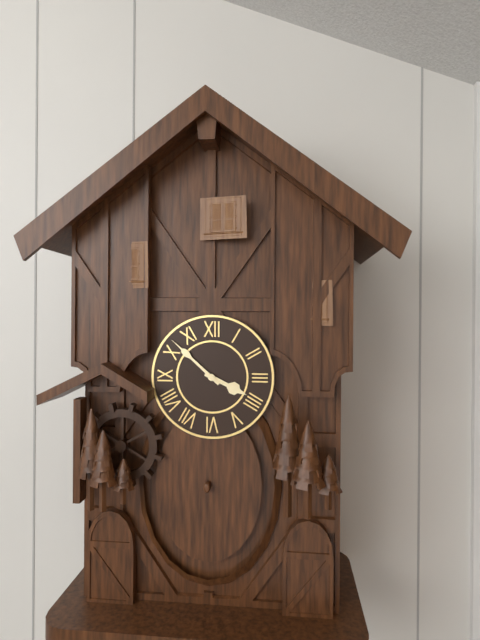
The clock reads 3h52
